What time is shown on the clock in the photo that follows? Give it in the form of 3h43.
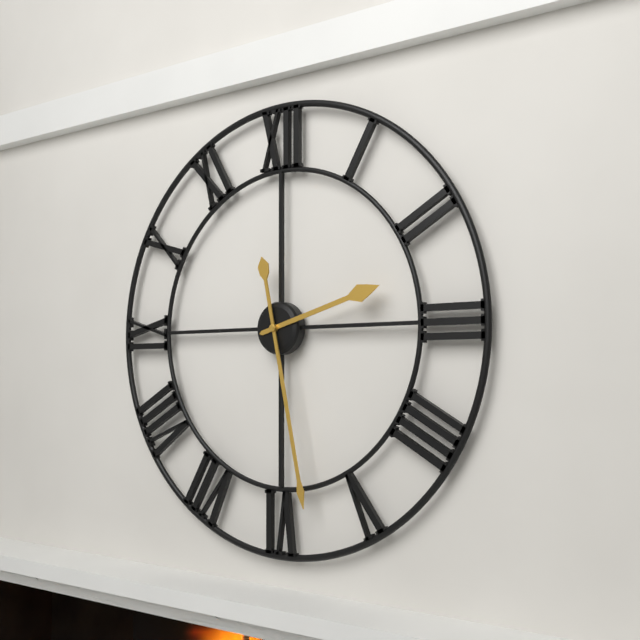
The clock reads 2h28
